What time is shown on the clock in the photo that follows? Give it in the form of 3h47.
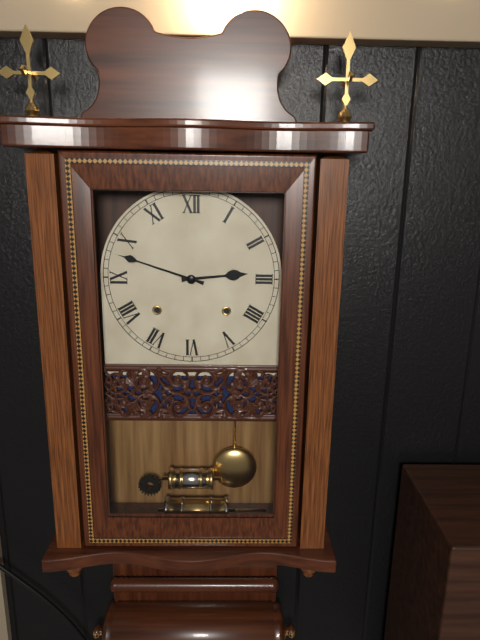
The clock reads 2h48
